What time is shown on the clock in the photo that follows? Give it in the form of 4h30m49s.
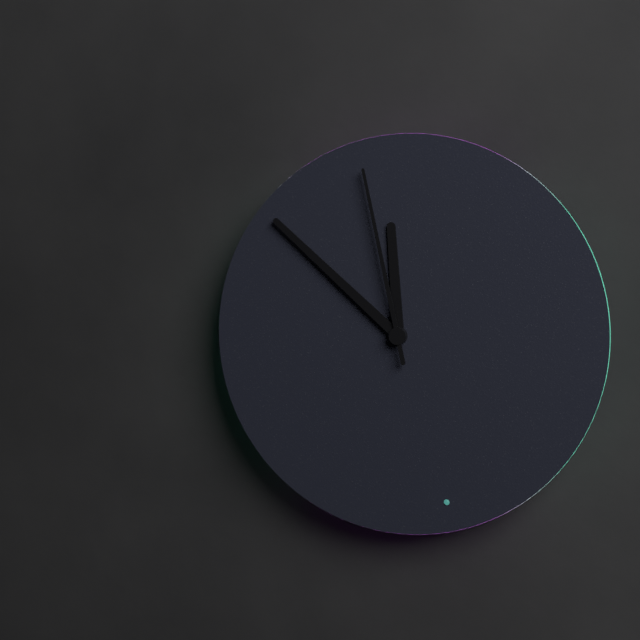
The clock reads 11h52m58s
